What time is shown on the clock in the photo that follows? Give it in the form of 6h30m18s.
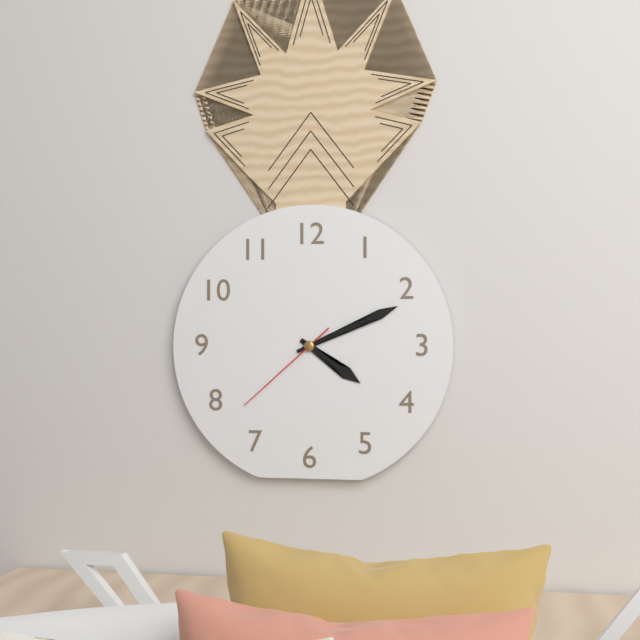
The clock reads 4h11m38s
